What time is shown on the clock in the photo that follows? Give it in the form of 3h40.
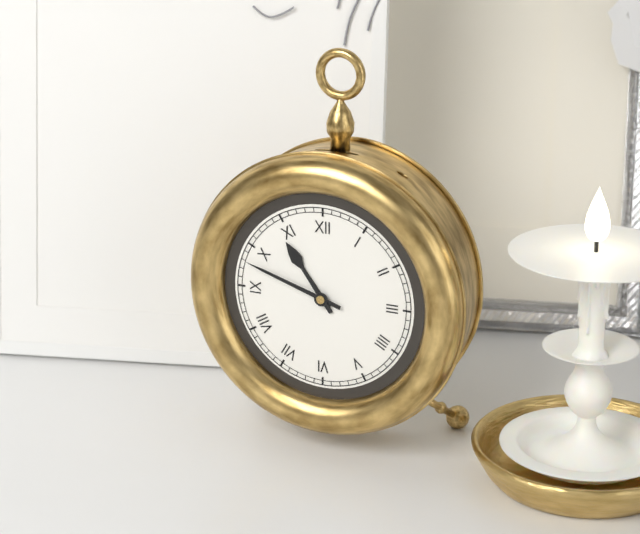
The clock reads 10h48
